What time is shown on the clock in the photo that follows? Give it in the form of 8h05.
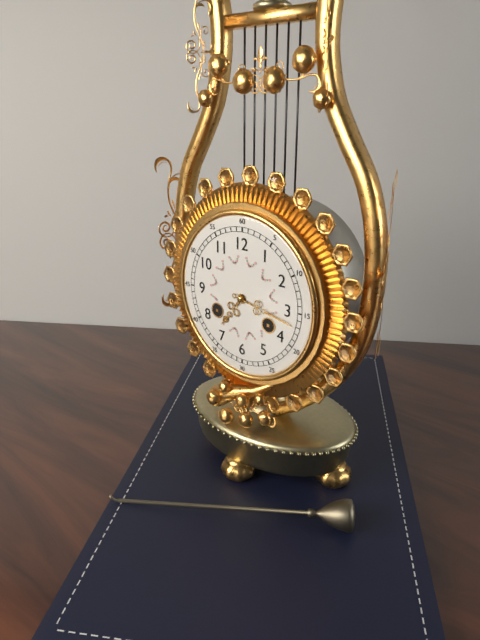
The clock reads 7h17
